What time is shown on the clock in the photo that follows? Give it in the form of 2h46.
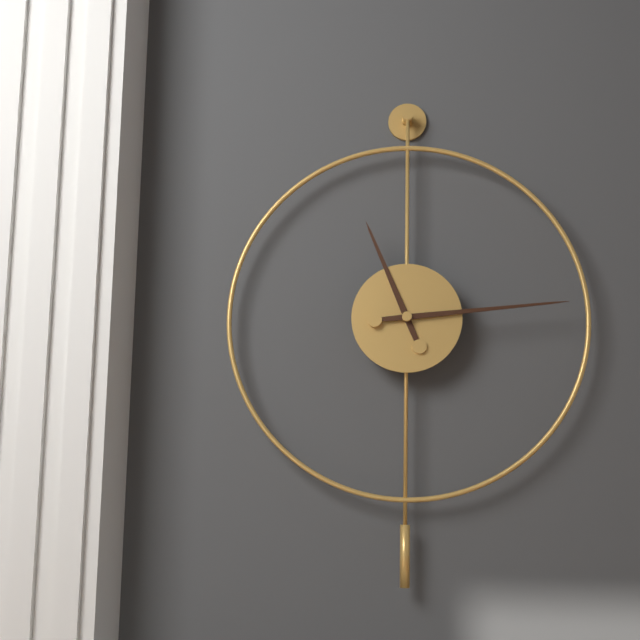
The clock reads 11h14
